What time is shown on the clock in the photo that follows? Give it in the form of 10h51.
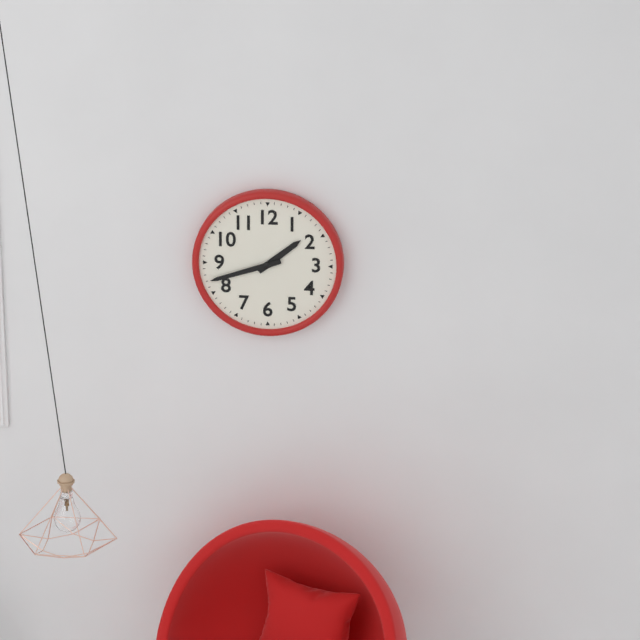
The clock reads 1h42
